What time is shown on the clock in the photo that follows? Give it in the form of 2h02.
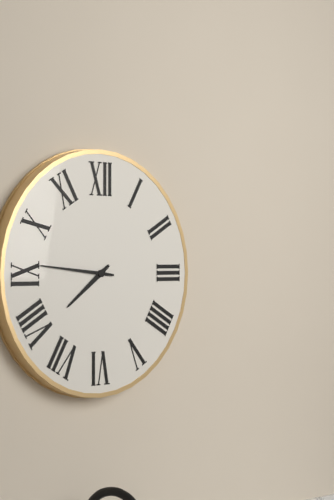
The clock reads 7h46
